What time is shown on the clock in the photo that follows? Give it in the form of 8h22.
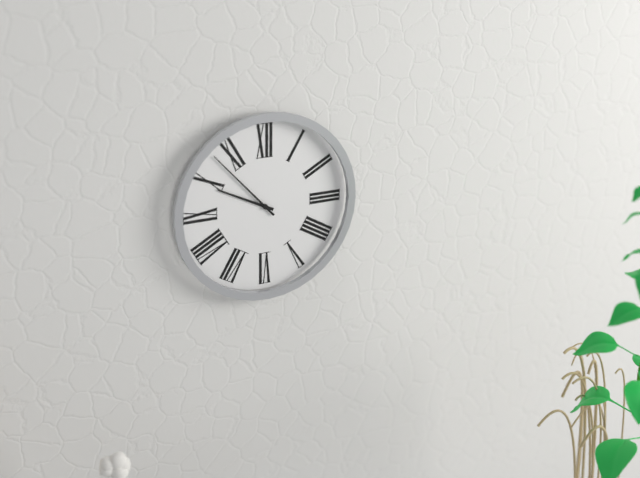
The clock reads 9h53
